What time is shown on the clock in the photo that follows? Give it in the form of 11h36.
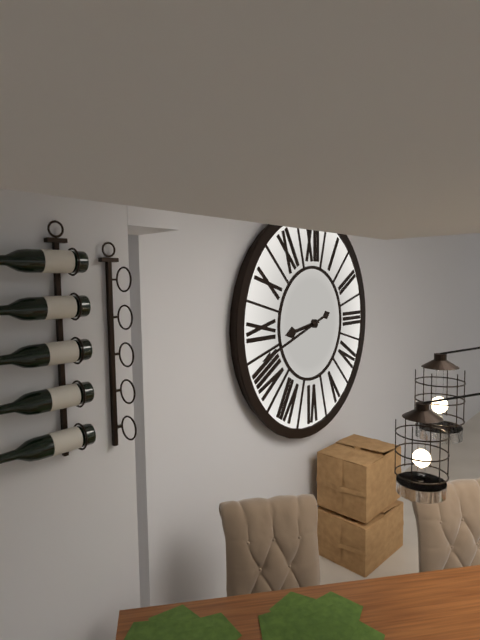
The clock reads 8h42
